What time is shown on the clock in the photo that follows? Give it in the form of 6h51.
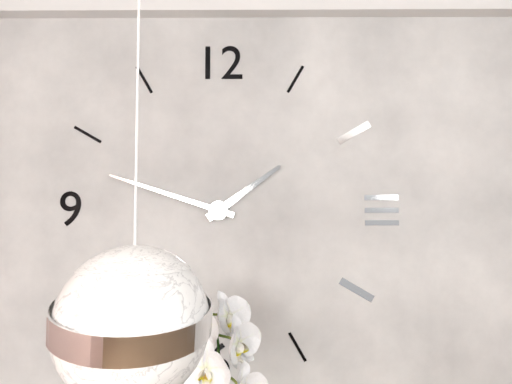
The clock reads 1h48
